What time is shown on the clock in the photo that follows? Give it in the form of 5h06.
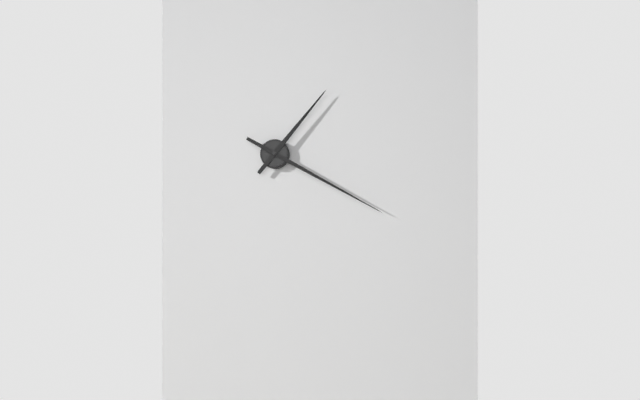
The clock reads 1h20
